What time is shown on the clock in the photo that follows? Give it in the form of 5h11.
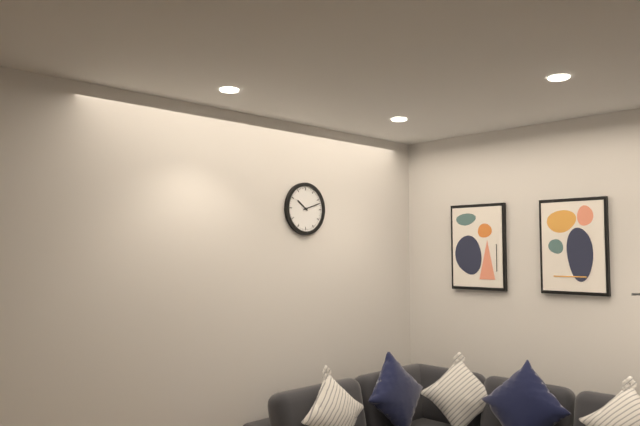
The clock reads 10h12
